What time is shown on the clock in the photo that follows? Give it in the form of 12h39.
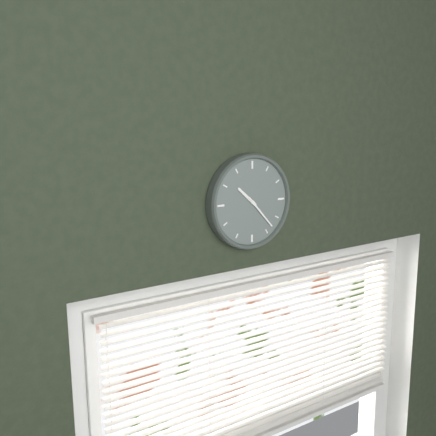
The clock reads 10h23
